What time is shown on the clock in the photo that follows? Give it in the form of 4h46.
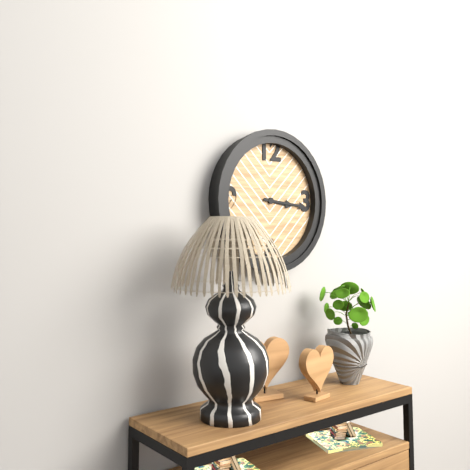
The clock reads 3h16
